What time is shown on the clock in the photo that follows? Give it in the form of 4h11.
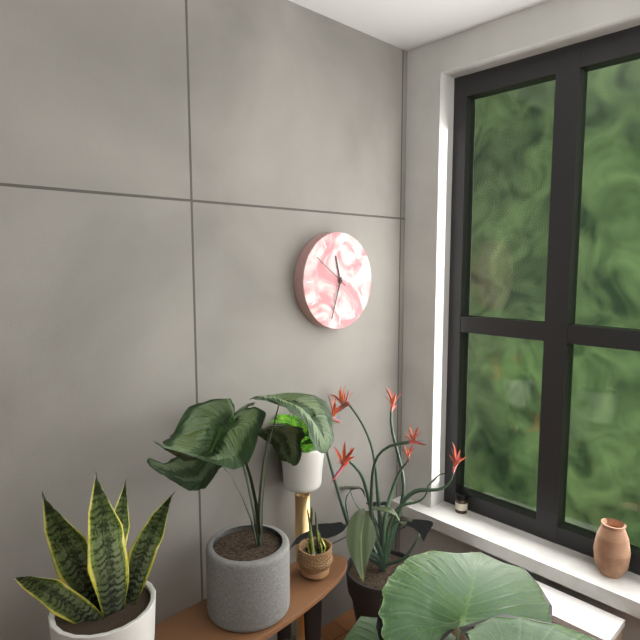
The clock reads 11h33
